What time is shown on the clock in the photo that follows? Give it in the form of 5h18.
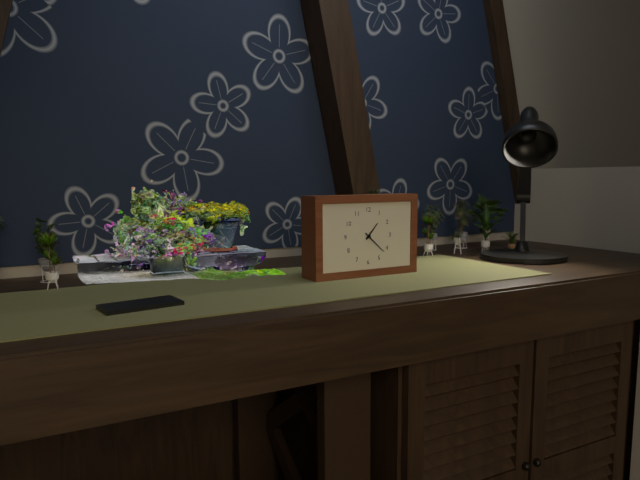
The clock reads 1h22
